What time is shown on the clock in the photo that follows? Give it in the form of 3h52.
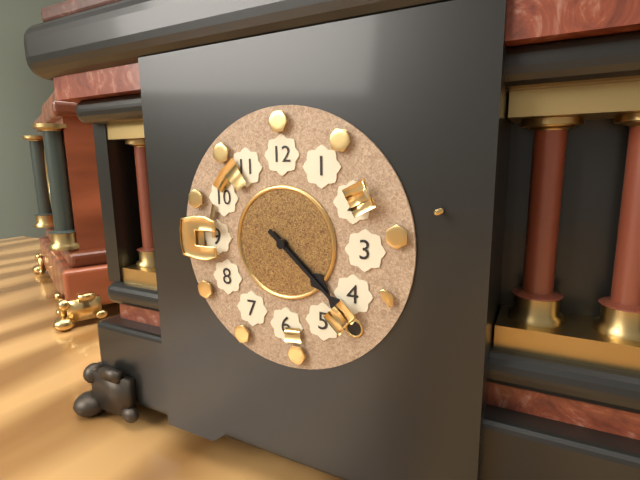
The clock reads 4h22
